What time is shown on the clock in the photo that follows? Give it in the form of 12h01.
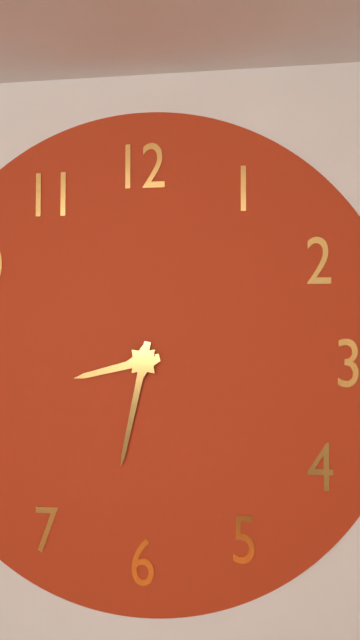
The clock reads 8h32
